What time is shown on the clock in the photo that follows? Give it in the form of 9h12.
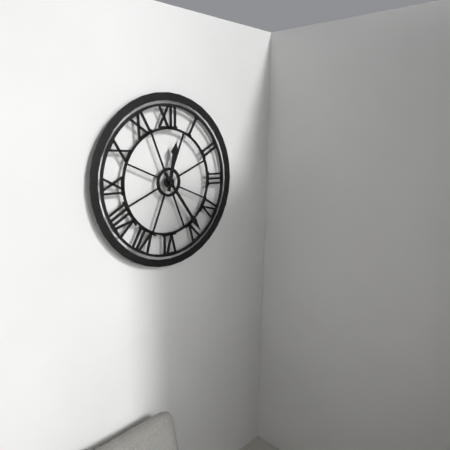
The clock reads 12h24
